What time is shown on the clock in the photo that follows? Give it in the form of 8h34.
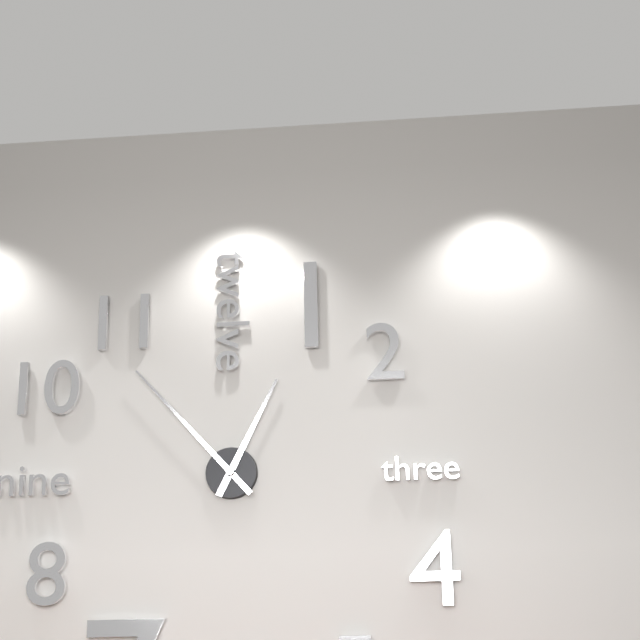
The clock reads 12h53
